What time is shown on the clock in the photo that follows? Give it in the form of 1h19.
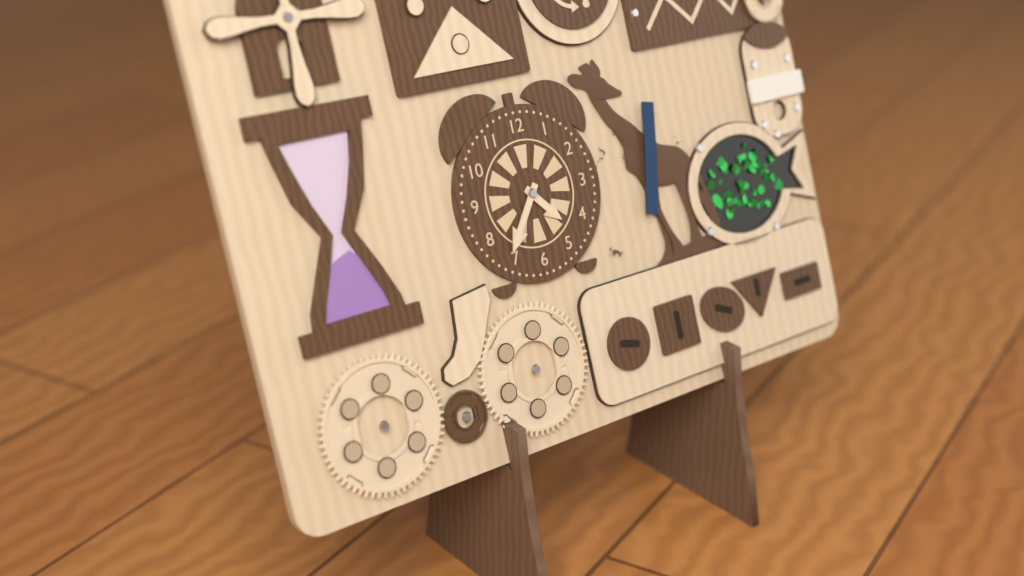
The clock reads 4h36
